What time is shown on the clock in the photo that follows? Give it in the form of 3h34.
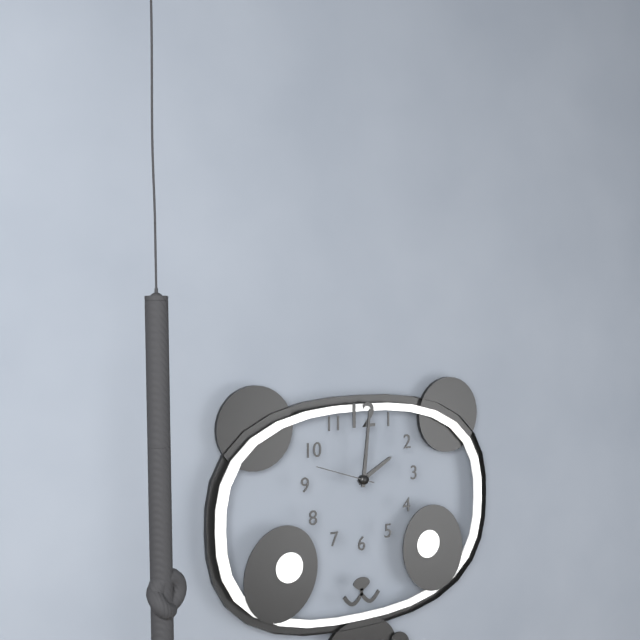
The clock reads 2h01
